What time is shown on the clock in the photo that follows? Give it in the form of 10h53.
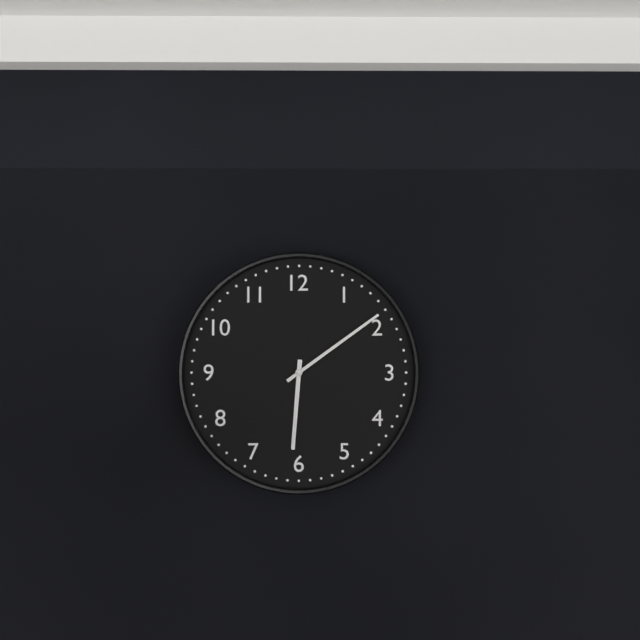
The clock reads 6h09
